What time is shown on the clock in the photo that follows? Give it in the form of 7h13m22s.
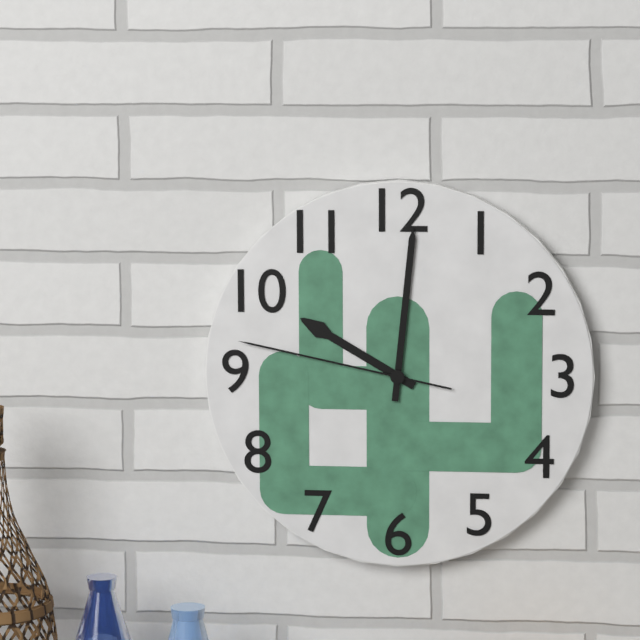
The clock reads 10h01m47s
